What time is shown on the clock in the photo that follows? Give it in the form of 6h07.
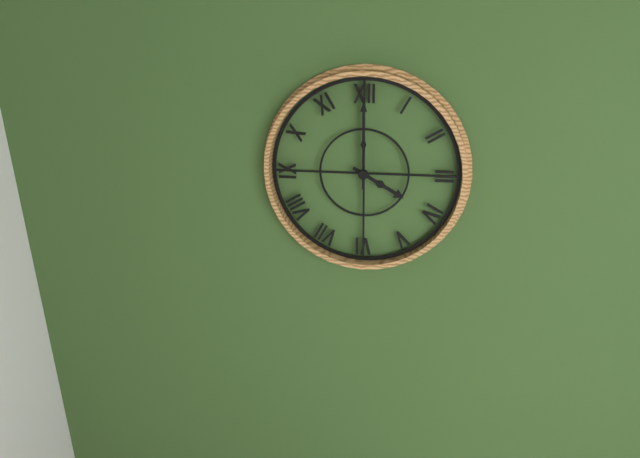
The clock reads 4h00
